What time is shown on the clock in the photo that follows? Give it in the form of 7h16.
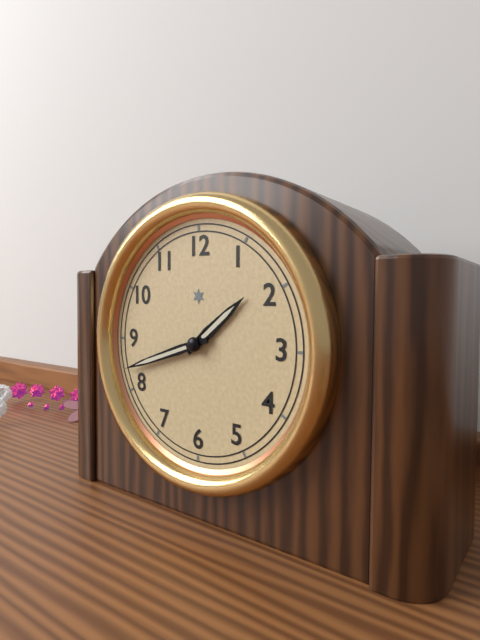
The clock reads 1h42
